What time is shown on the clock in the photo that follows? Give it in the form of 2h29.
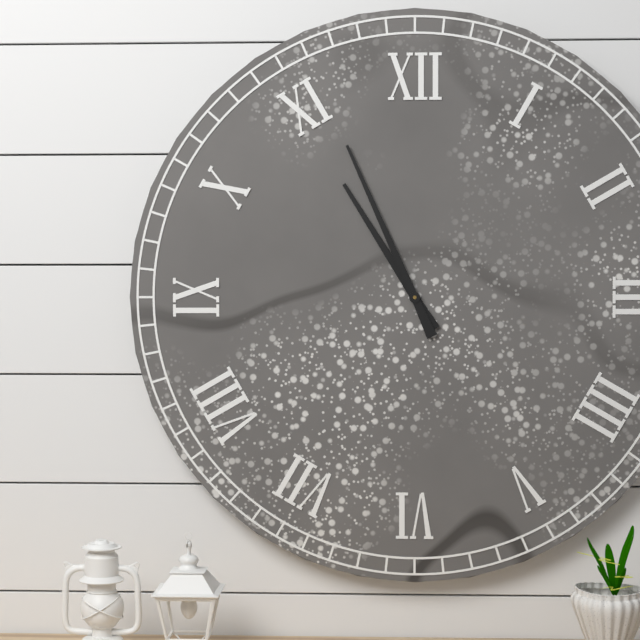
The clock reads 10h56
